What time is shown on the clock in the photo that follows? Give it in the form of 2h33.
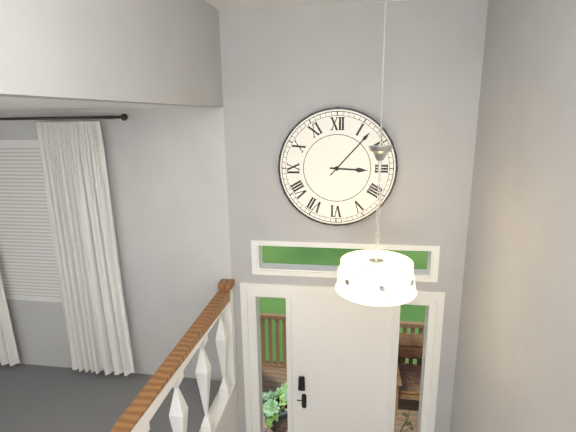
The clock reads 3h07
